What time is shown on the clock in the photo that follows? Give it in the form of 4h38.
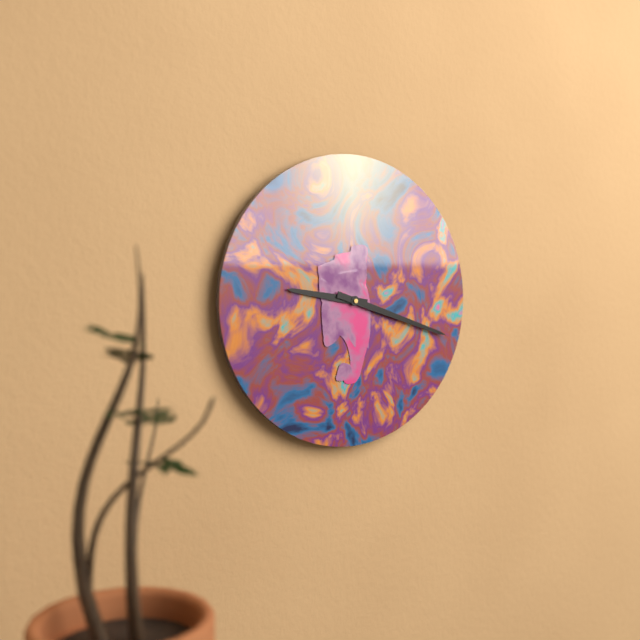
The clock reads 9h18
